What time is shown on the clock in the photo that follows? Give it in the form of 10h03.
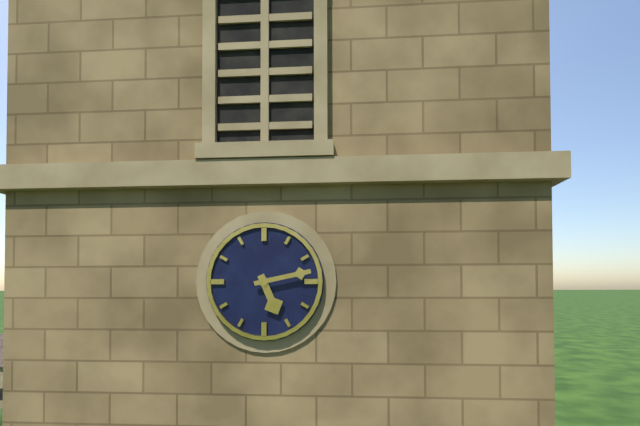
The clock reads 5h13
